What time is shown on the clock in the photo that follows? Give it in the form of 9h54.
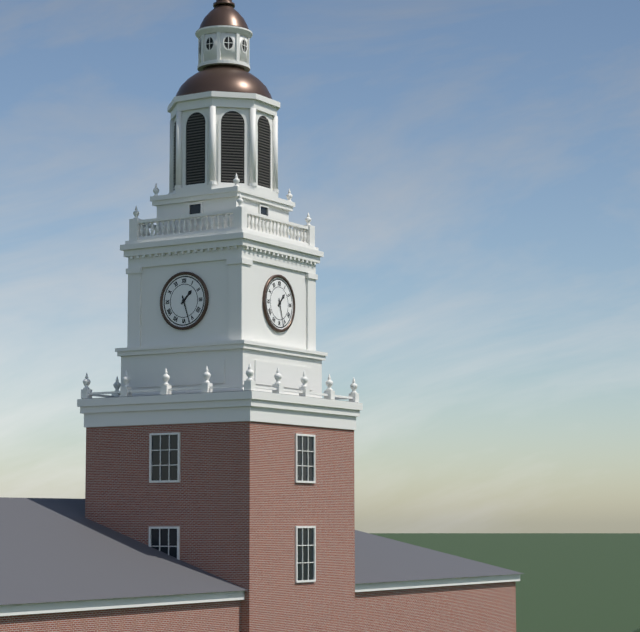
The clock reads 1h27
